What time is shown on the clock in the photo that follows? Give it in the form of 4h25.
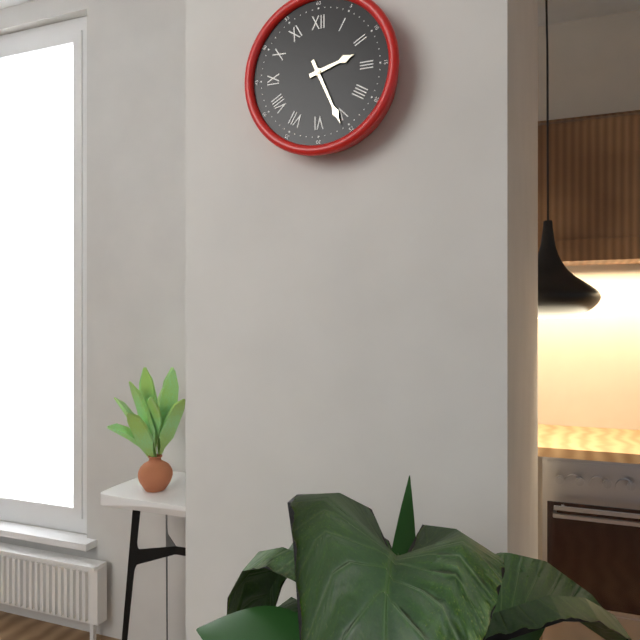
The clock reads 2h26
